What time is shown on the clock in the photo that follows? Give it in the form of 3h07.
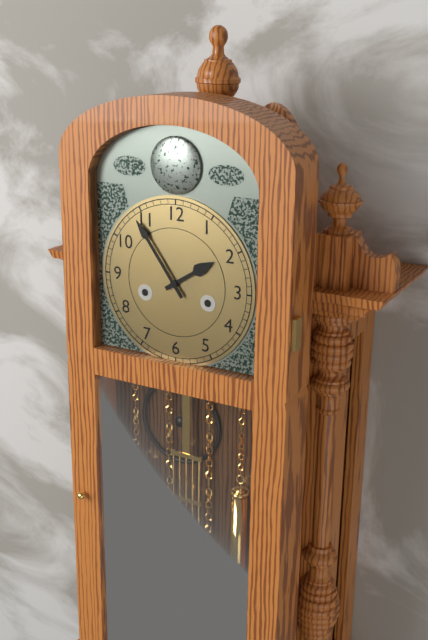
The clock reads 1h54
